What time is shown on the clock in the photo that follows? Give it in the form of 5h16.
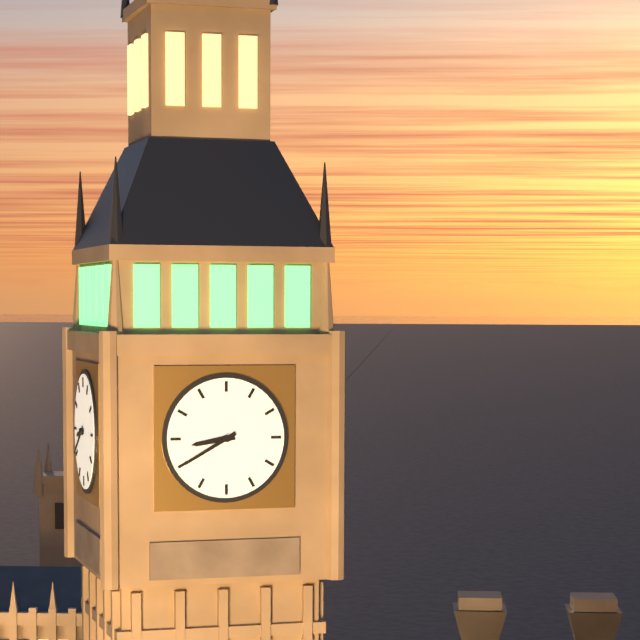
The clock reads 8h40
